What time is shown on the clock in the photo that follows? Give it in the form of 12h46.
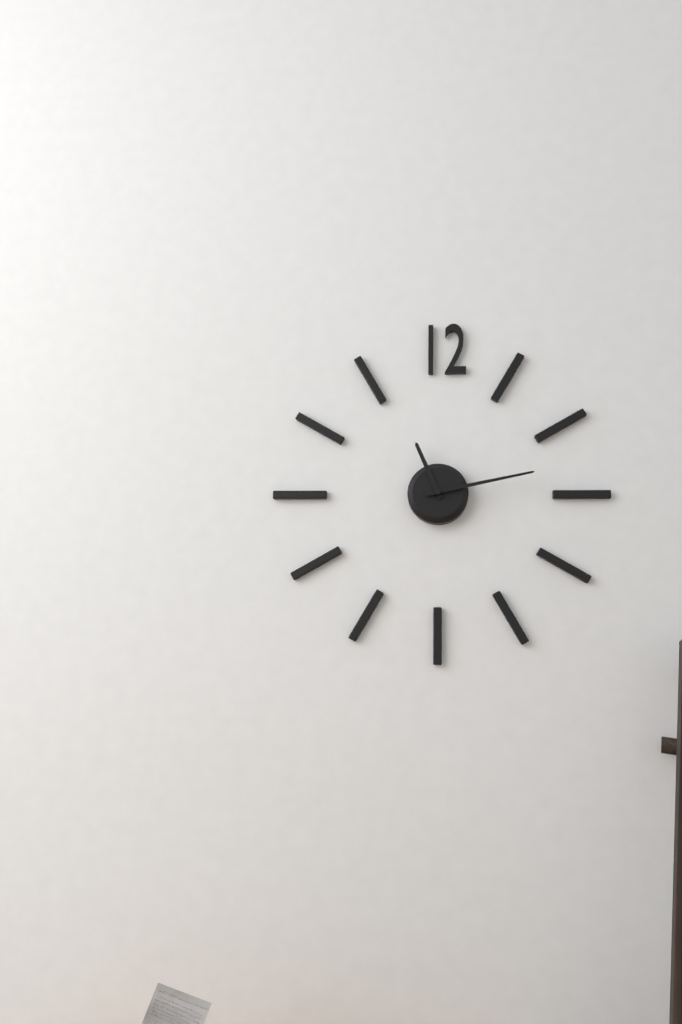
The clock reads 11h13
